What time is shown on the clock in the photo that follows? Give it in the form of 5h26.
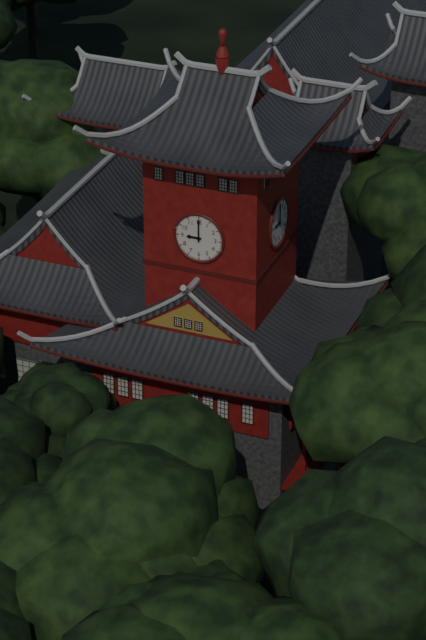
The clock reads 9h00
